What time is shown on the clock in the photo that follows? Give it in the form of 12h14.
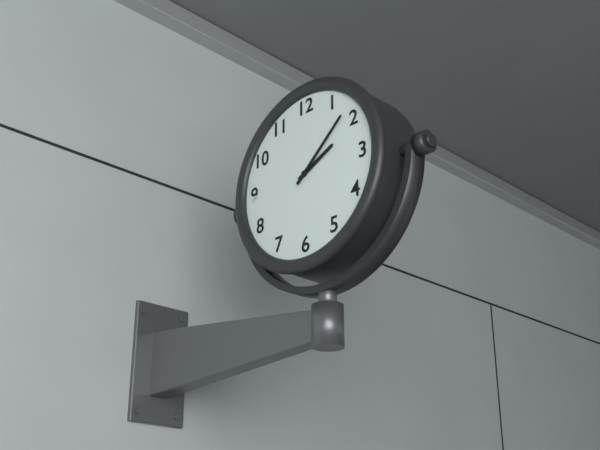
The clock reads 2h08
